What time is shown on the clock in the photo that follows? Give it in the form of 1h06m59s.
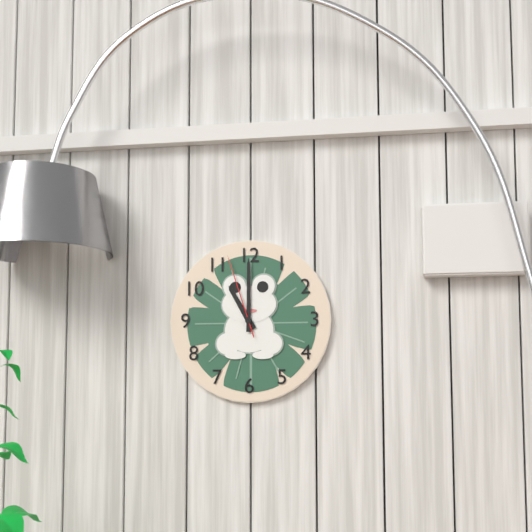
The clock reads 11h00m57s
